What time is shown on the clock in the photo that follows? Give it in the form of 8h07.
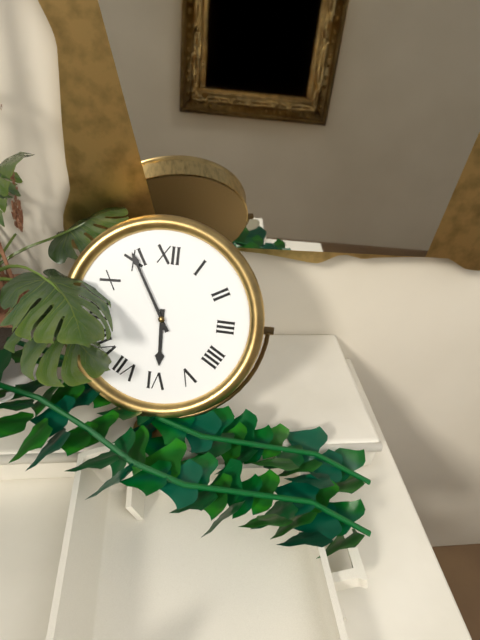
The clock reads 5h55
